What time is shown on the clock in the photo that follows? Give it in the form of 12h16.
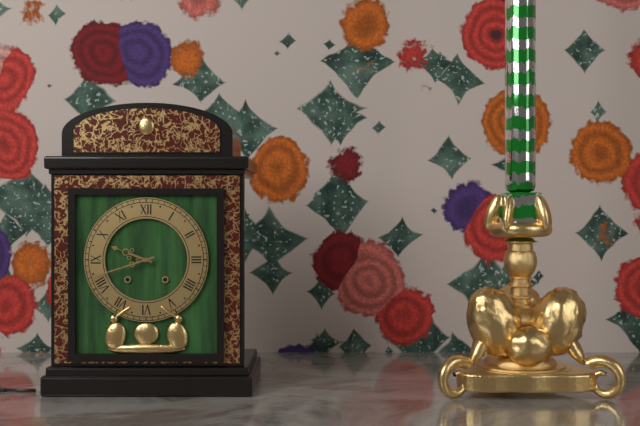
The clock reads 9h42
